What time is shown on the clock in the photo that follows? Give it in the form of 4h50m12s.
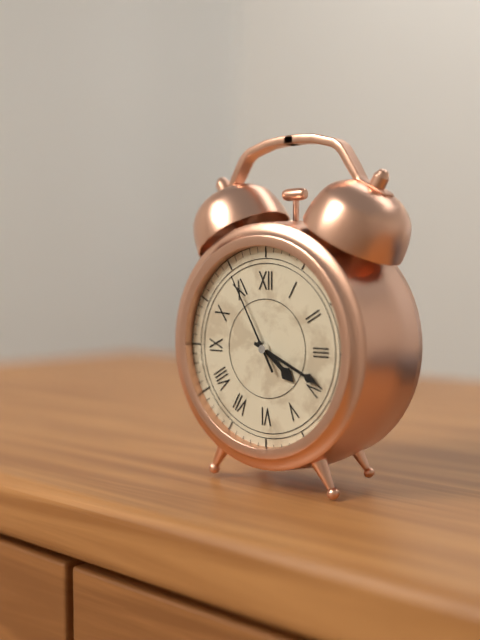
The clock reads 4h19m55s
